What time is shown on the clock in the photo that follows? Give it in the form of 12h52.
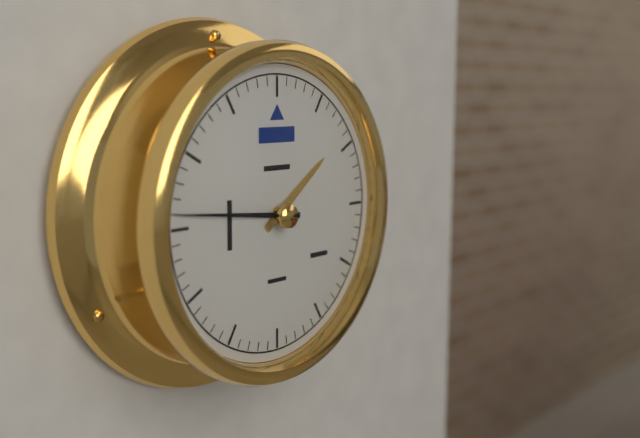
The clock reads 1h46
